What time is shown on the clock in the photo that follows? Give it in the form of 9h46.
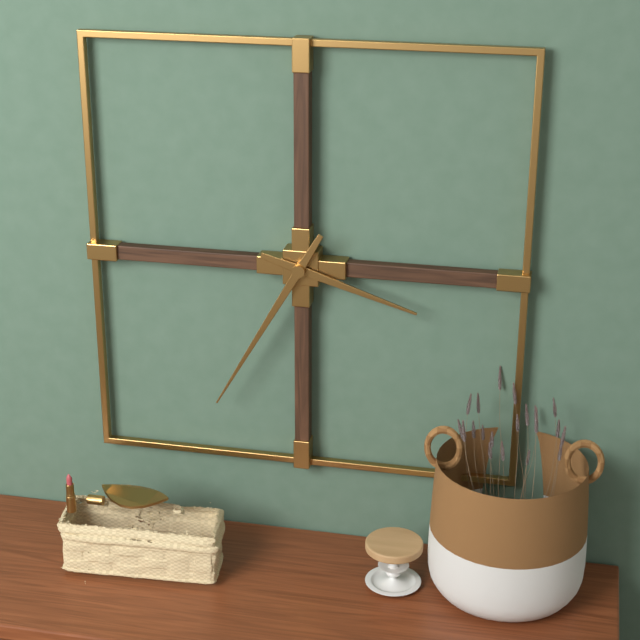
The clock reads 3h35
